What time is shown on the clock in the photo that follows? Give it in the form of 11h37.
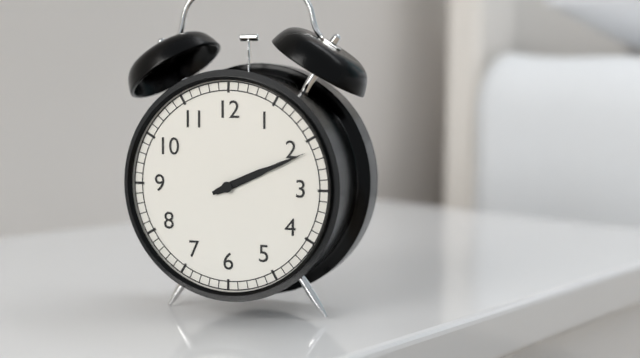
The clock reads 2h11
